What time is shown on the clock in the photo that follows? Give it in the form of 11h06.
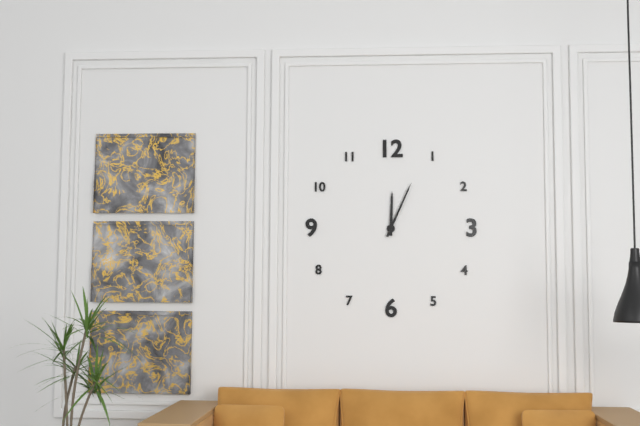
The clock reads 12h04
